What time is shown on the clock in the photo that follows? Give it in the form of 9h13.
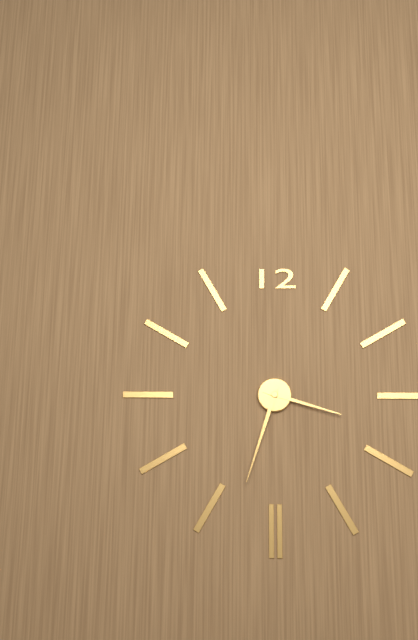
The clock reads 3h33
